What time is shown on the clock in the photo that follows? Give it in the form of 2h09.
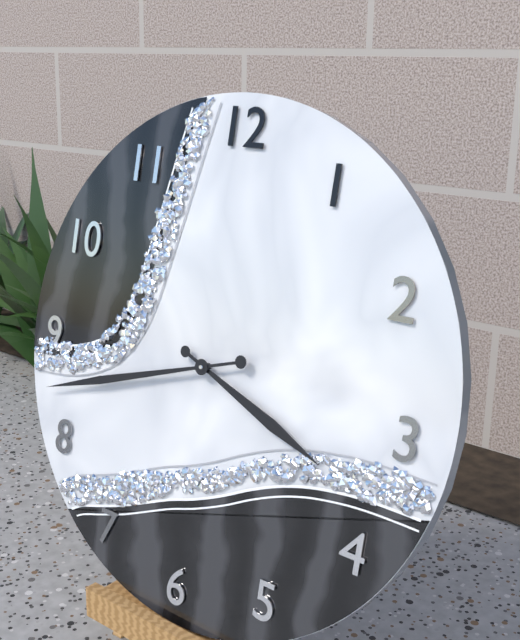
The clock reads 3h42
